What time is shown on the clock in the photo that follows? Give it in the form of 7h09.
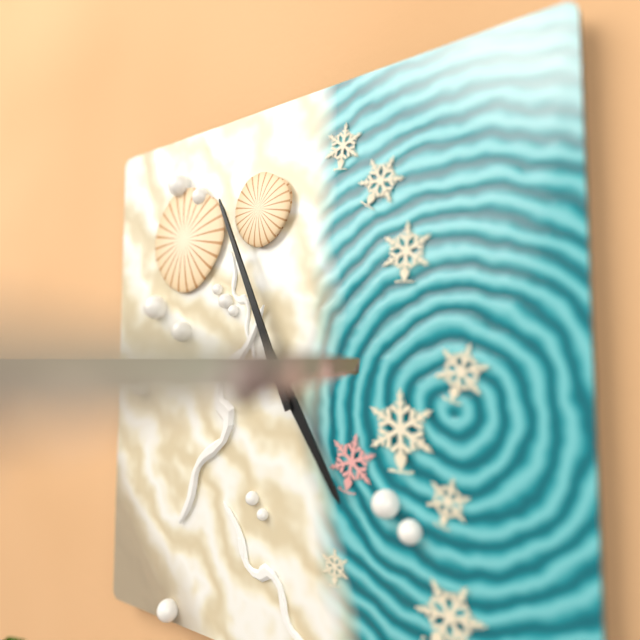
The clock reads 4h56
